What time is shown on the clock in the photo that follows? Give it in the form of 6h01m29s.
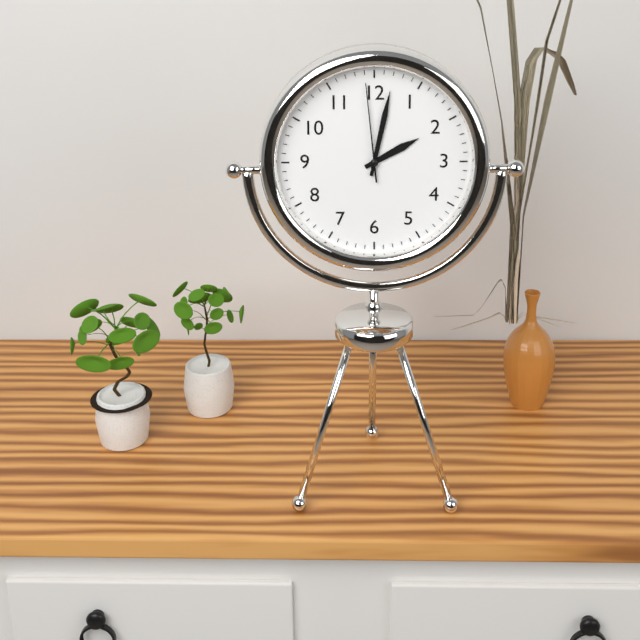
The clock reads 2h02m59s
